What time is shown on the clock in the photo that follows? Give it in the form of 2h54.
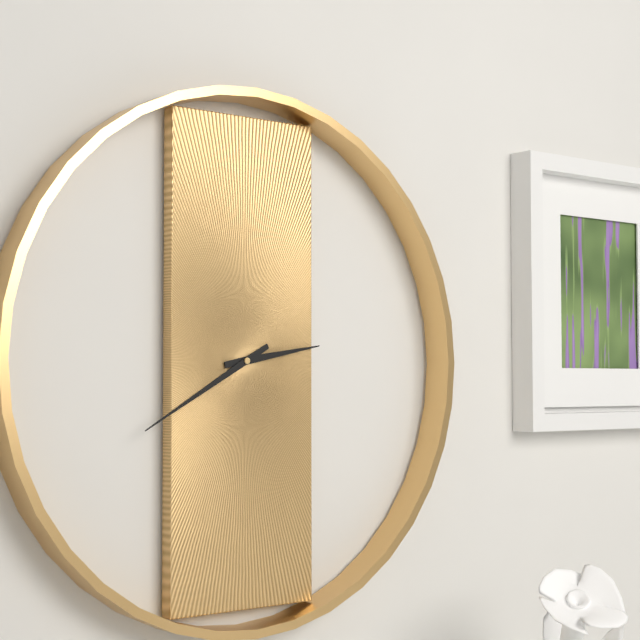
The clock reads 2h40
